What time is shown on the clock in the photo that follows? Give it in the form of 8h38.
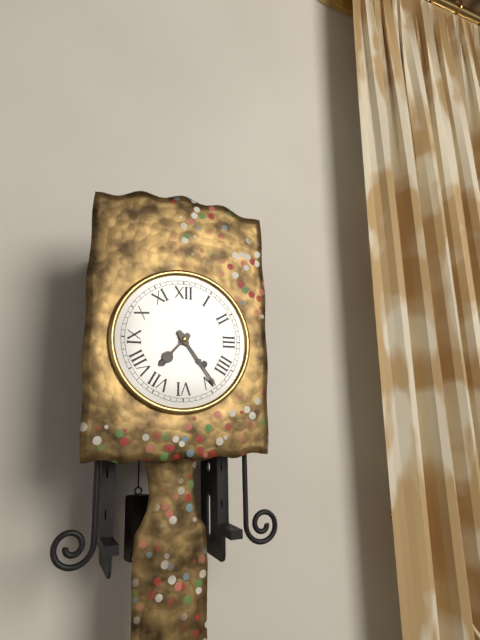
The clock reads 7h24
